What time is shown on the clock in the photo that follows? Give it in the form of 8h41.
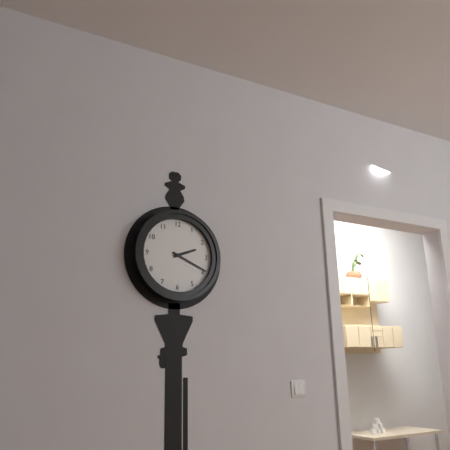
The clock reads 2h19
